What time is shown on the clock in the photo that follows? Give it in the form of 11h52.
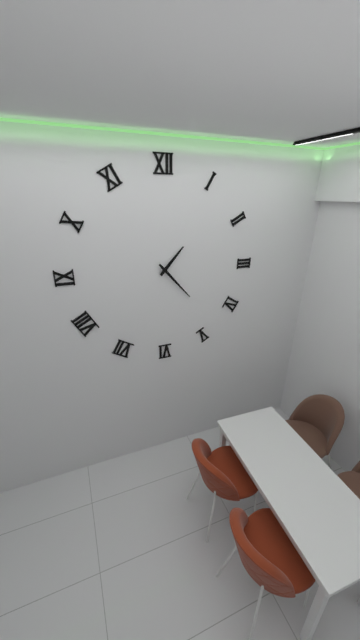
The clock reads 1h23
